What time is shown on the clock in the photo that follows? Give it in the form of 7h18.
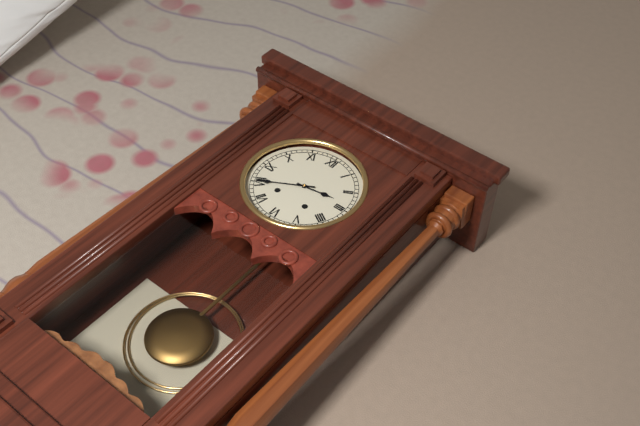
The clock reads 2h40
